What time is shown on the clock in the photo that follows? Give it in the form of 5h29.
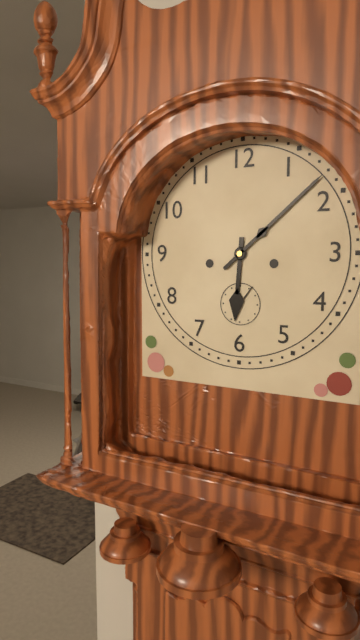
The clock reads 6h08
